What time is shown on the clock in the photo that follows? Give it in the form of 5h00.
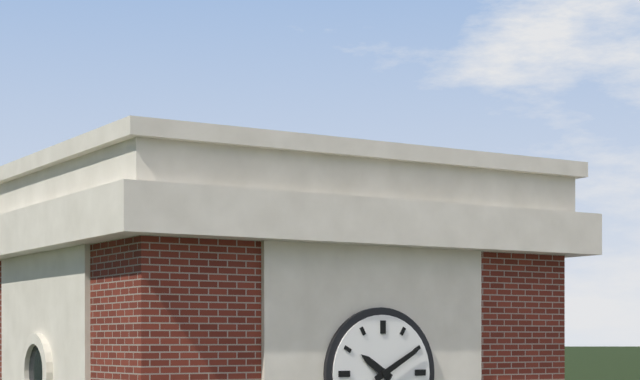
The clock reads 10h10
